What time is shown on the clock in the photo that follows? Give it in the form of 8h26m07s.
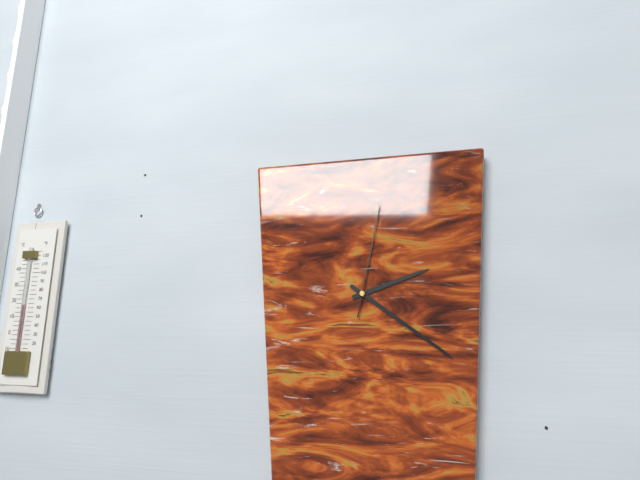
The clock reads 2h21m02s
